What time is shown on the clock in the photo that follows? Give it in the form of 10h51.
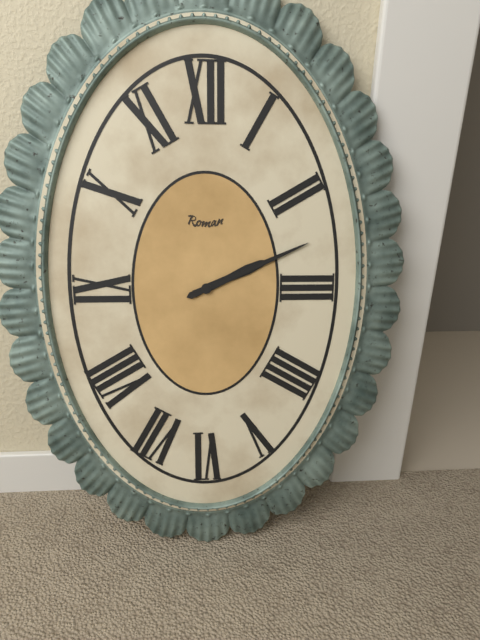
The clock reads 2h11
